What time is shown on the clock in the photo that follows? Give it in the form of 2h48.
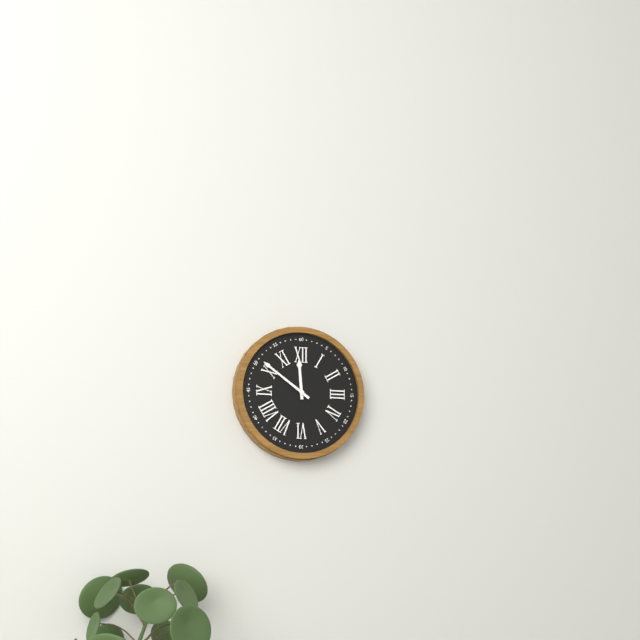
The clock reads 11h51
